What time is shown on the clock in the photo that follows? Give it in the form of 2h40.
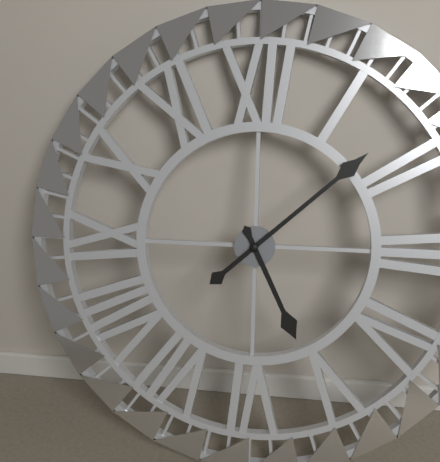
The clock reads 5h08
